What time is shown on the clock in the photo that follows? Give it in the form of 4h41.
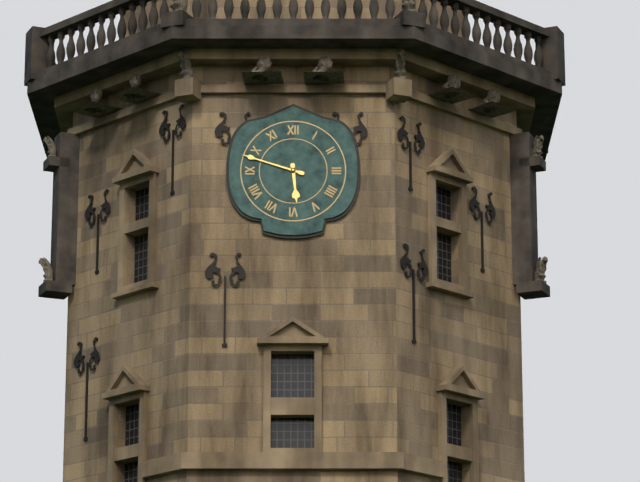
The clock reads 5h48
